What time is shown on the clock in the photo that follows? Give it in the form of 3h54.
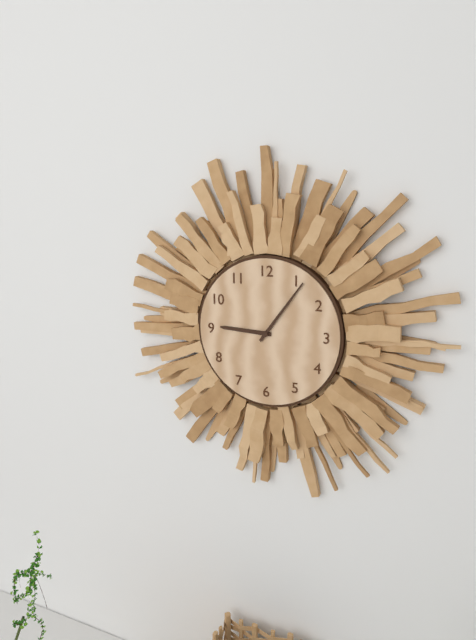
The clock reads 9h06
